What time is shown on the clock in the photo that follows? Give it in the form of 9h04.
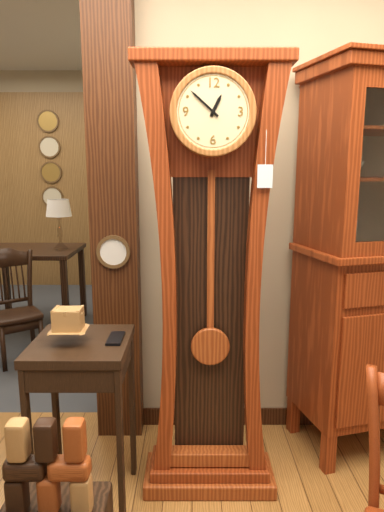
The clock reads 12h52
